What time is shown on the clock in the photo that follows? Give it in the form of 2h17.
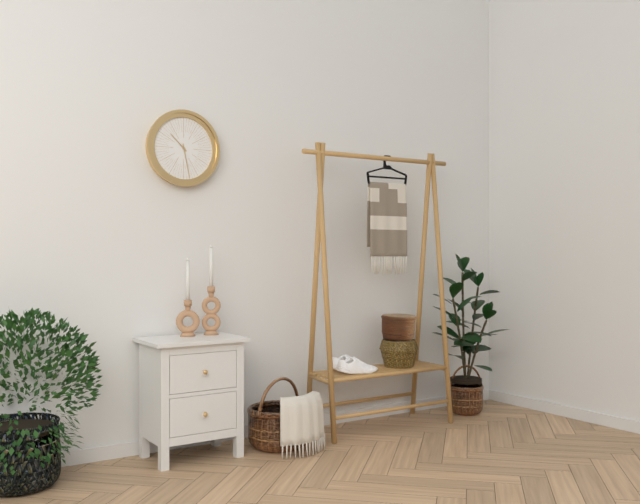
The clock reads 10h28
